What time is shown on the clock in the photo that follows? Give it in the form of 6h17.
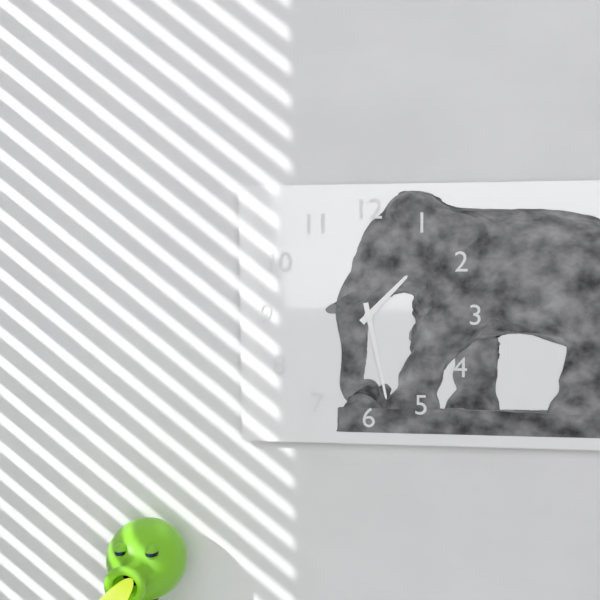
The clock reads 1h28
